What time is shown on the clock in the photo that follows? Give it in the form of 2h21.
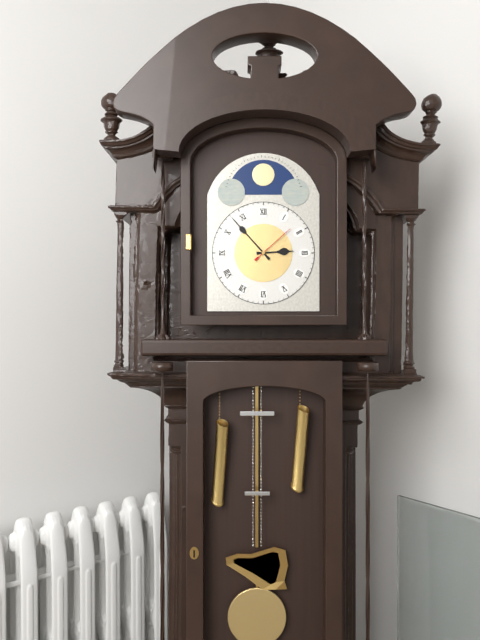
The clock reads 2h53
